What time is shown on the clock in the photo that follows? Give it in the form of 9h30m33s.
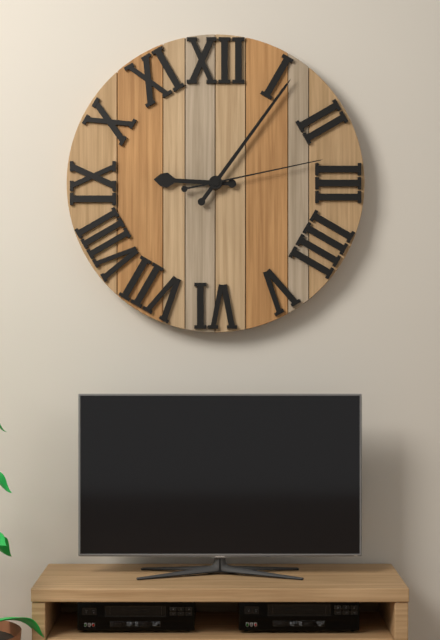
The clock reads 9h06m13s
